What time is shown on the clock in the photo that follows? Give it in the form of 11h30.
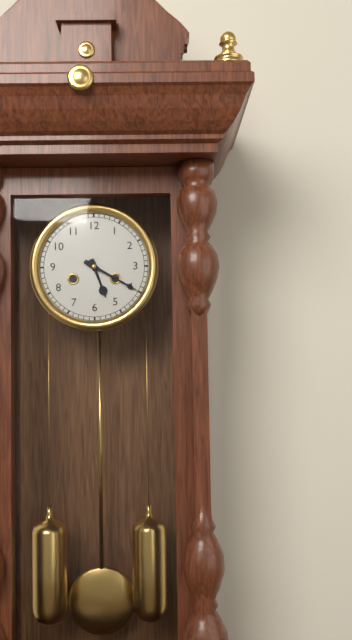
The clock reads 5h20
